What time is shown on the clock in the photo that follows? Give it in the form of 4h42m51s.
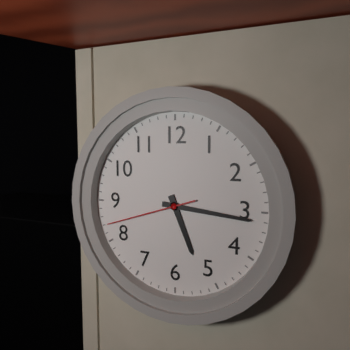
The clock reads 5h16m42s
